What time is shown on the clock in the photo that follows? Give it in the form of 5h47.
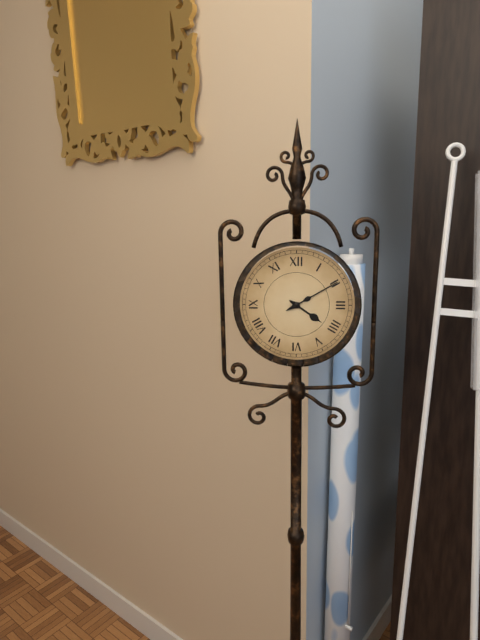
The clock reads 4h10
